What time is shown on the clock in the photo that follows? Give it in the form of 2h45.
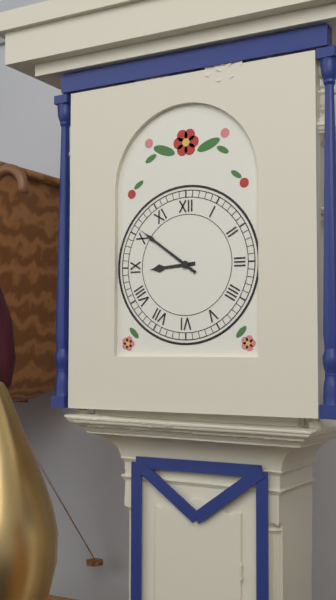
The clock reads 8h51
